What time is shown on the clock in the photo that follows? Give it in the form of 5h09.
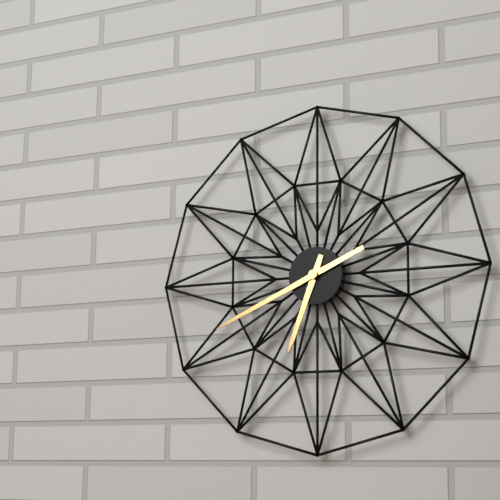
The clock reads 6h41
